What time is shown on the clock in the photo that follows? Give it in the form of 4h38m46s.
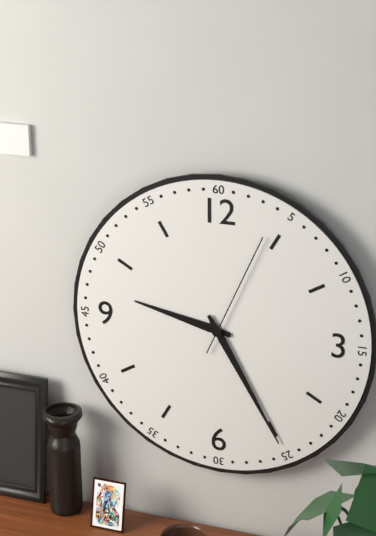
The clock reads 9h25m04s
